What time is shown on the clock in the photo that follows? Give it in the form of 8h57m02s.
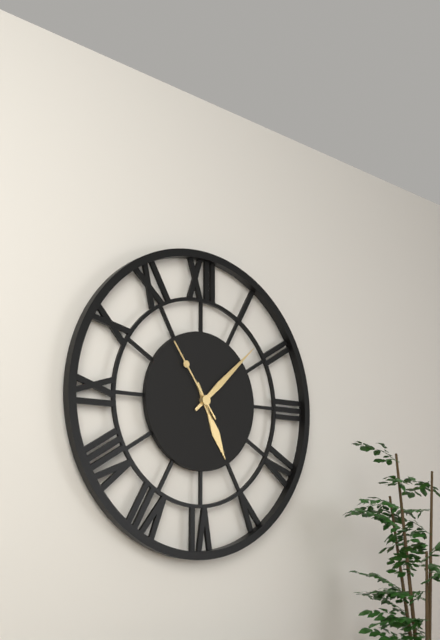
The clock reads 5h08m54s
